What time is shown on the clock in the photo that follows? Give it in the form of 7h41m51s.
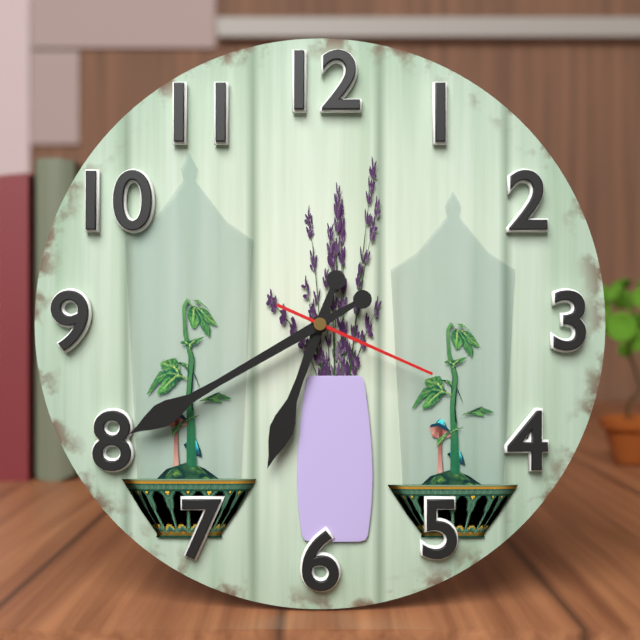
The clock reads 6h40m19s
